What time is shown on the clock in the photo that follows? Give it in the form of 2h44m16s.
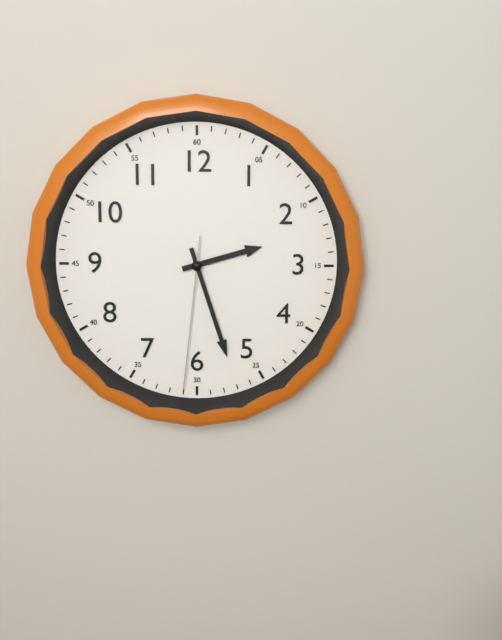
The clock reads 2h27m31s
